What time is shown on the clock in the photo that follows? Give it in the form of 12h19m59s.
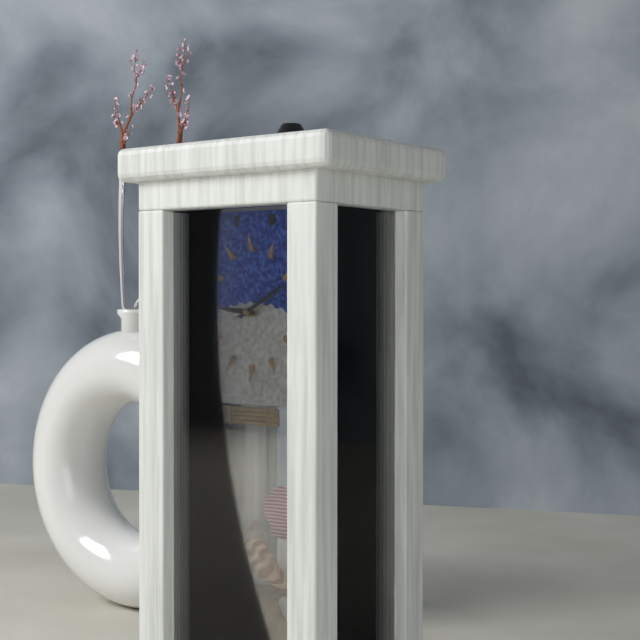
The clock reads 9h10m11s
